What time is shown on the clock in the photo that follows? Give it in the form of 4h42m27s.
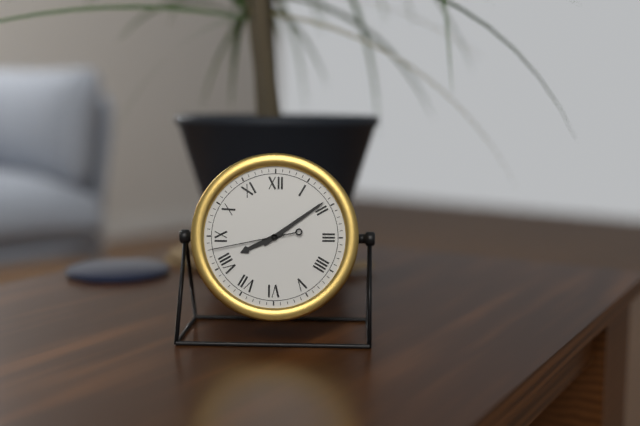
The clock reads 8h09m43s
